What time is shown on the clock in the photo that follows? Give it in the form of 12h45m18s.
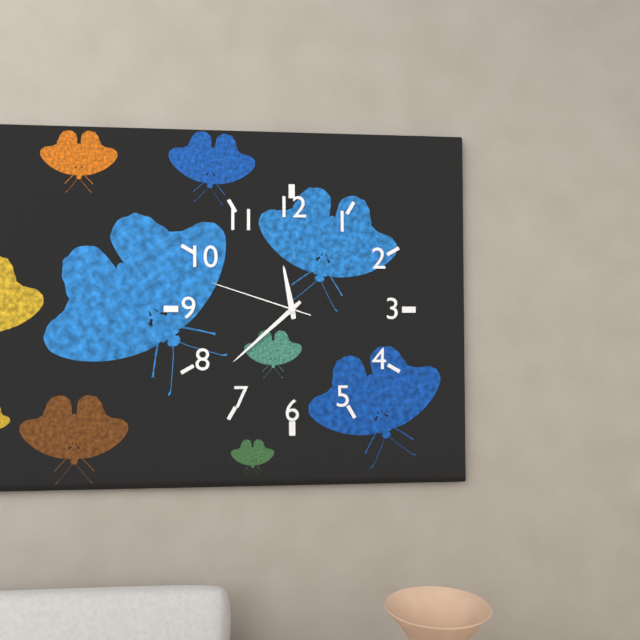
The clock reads 11h38m48s
